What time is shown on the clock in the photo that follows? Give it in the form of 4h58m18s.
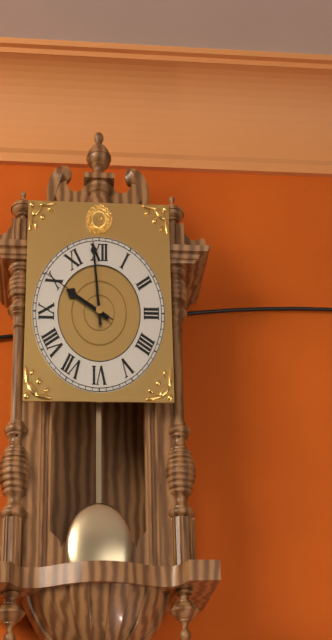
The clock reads 9h59m50s
